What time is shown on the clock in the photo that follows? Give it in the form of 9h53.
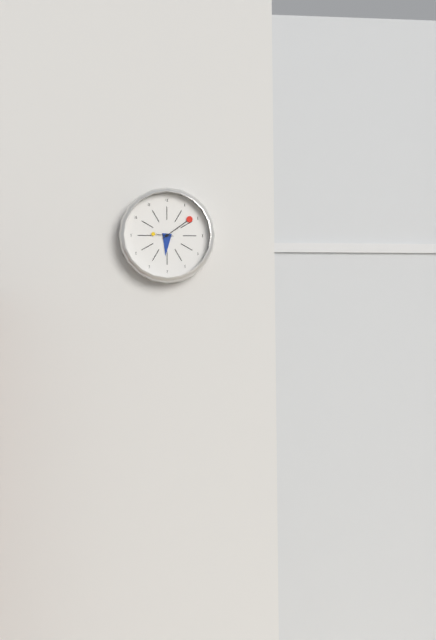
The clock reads 6h09
